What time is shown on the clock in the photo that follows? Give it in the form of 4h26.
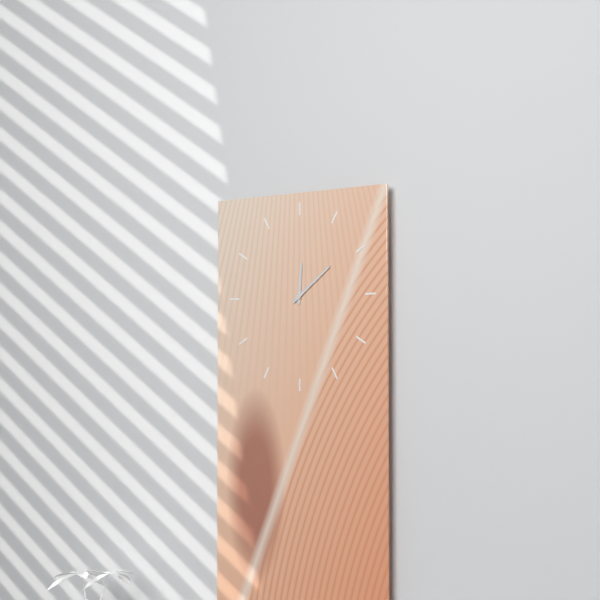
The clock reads 12h09
